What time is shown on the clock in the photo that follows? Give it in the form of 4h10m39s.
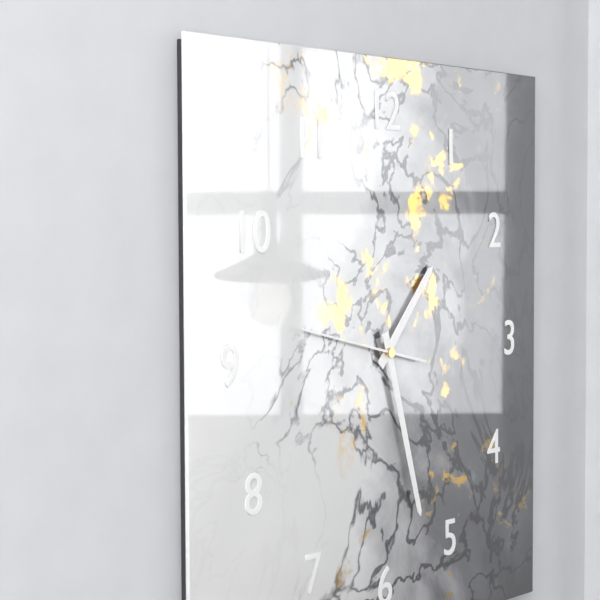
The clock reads 1h27m47s
